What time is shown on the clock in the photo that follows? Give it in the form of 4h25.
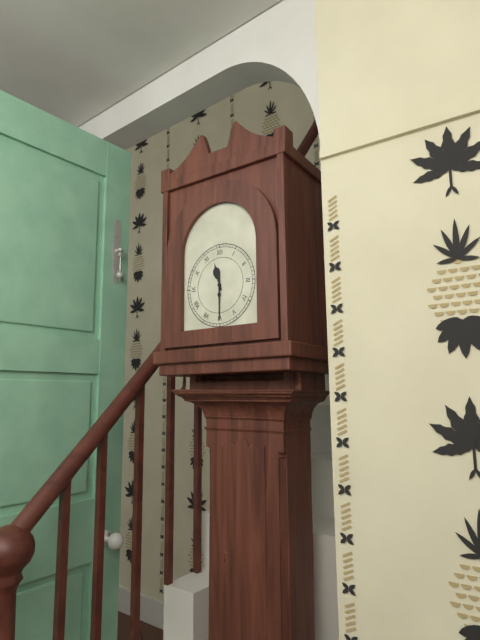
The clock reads 11h30
